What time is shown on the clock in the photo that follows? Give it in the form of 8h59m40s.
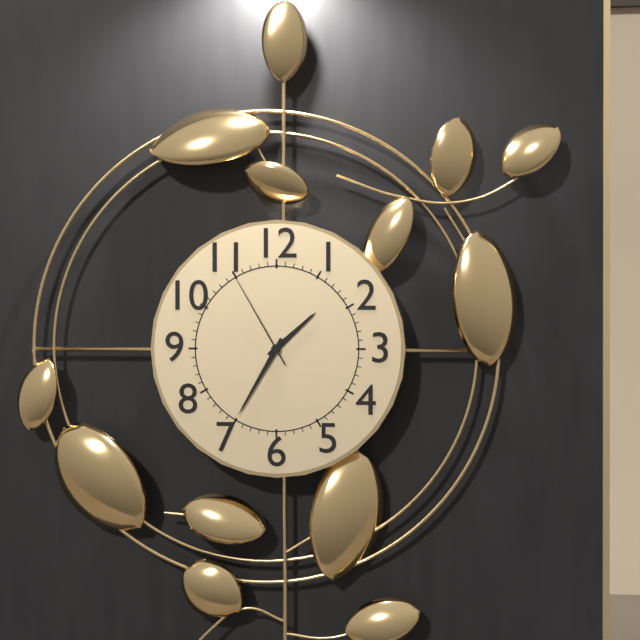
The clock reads 1h35m55s
